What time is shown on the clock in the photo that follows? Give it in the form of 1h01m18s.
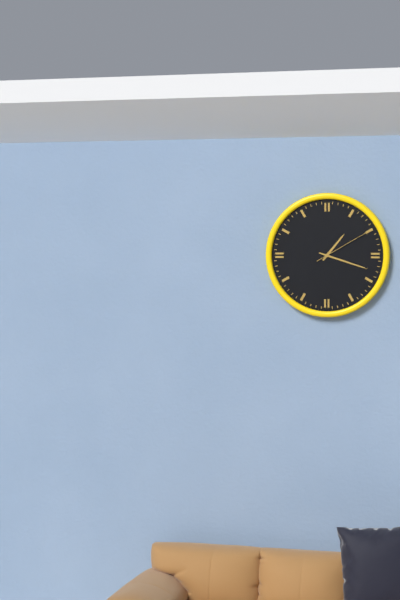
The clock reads 1h18m10s
